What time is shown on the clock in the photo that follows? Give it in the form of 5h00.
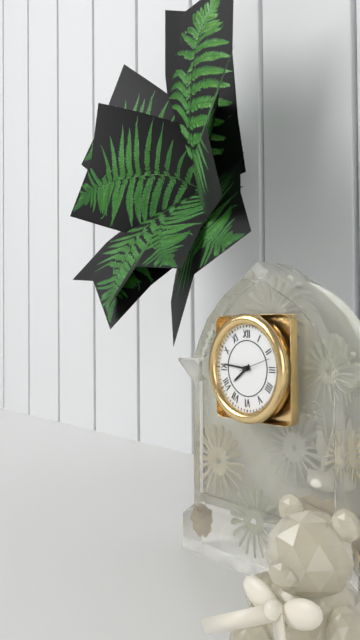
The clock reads 7h46
